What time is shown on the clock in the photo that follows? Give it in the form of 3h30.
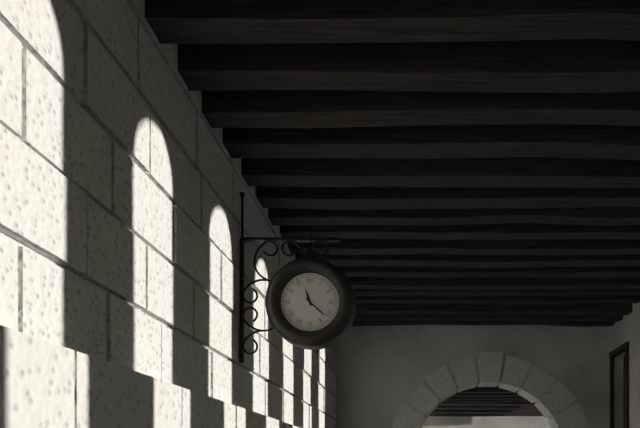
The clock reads 11h22
